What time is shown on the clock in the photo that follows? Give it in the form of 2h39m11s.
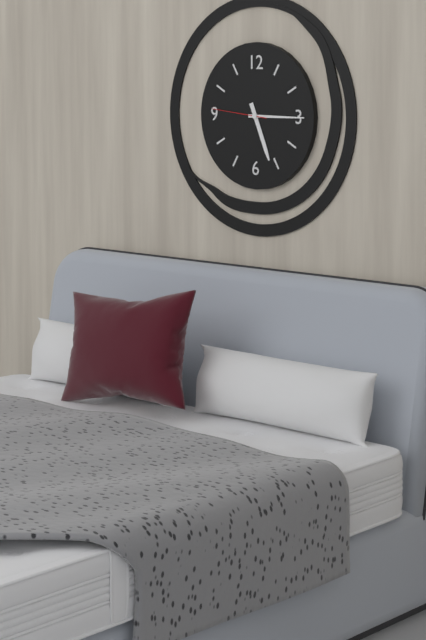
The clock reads 5h15m46s
